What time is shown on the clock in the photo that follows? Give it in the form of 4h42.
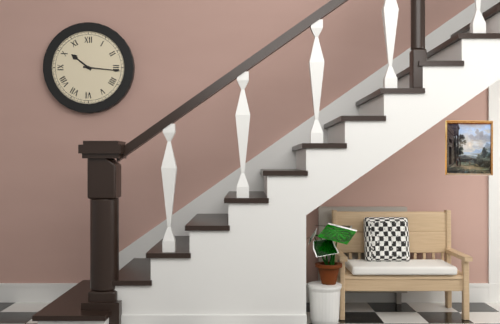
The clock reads 10h16
